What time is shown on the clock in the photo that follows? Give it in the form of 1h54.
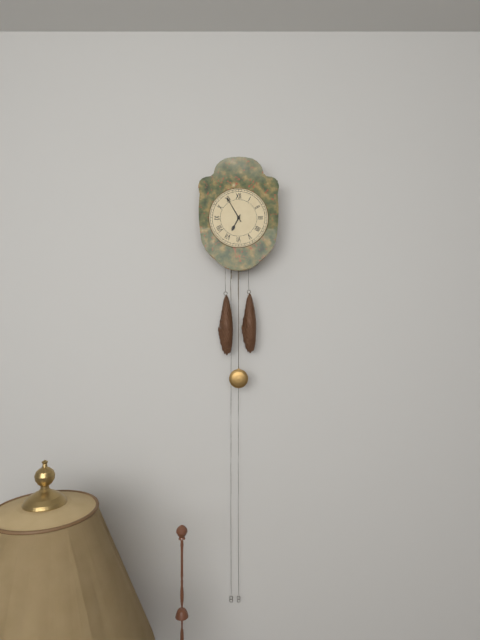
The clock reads 6h55
